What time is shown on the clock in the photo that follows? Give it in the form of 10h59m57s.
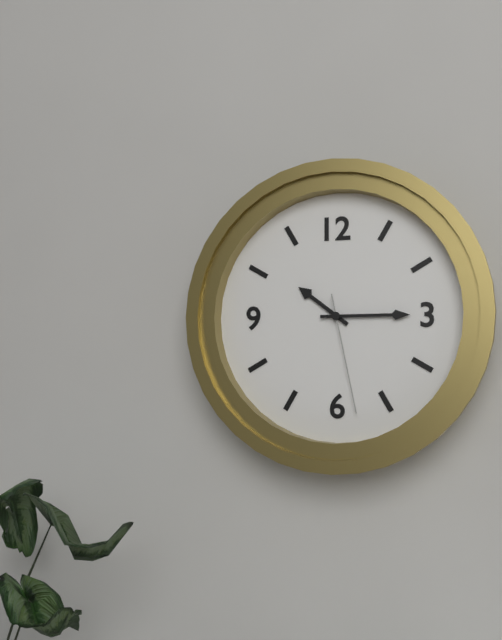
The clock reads 10h15m28s
